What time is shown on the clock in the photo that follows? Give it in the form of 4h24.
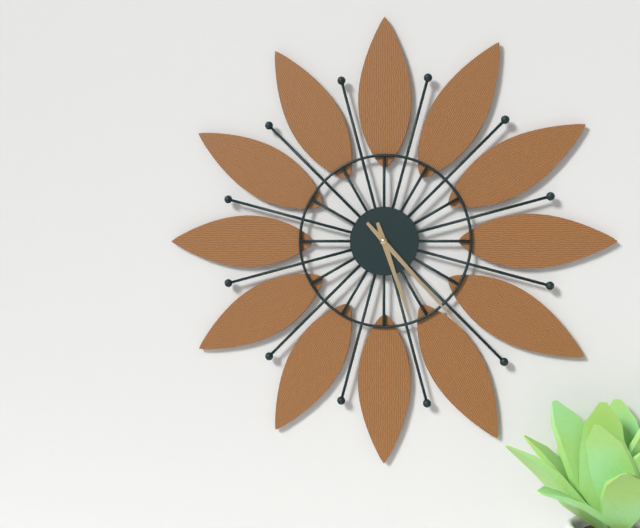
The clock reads 5h23
